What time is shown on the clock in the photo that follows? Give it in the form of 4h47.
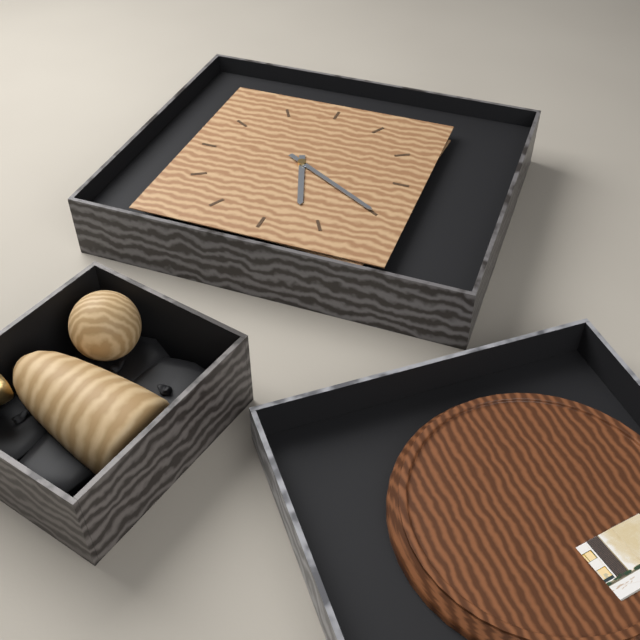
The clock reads 5h20
